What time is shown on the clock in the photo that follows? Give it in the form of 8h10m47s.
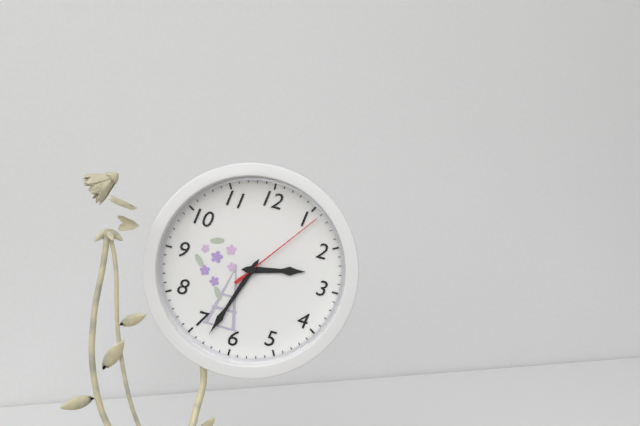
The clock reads 2h33m06s
